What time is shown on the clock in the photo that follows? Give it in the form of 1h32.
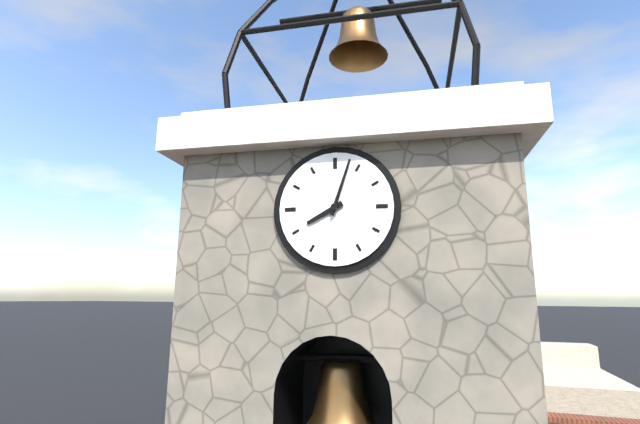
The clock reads 8h03
